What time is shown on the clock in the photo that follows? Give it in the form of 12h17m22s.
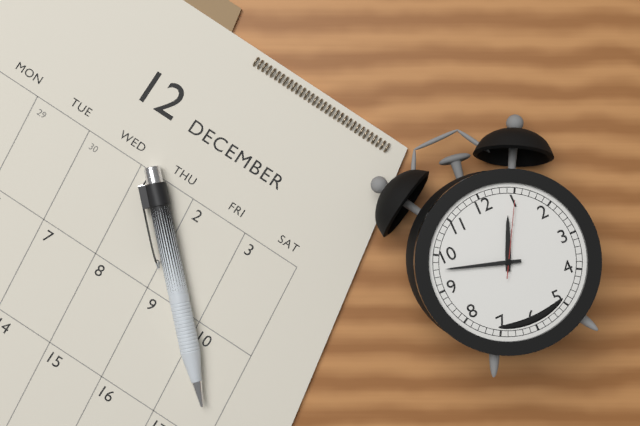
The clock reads 12h48m05s
